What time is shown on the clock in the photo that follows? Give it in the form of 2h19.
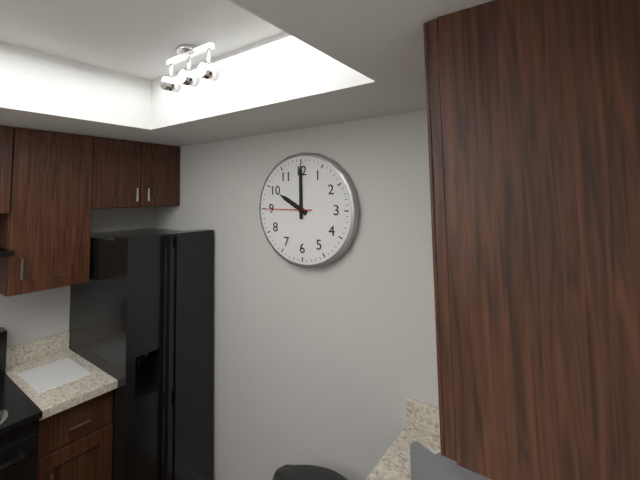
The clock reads 10h00
